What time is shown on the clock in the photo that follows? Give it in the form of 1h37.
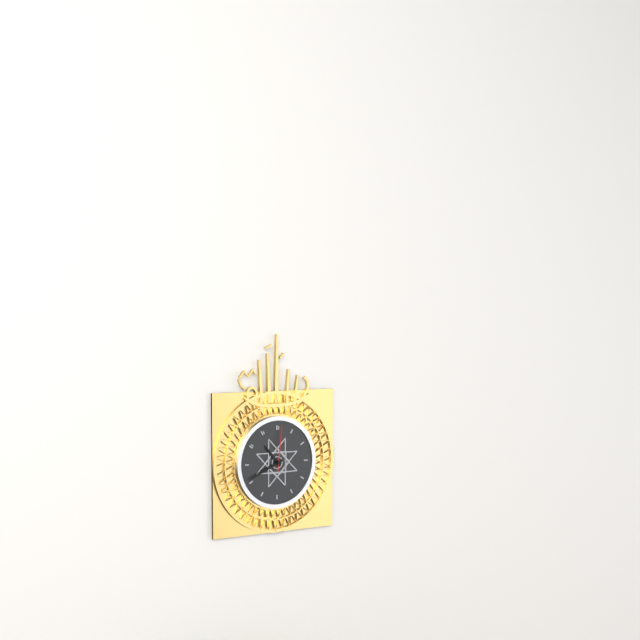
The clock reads 10h41
